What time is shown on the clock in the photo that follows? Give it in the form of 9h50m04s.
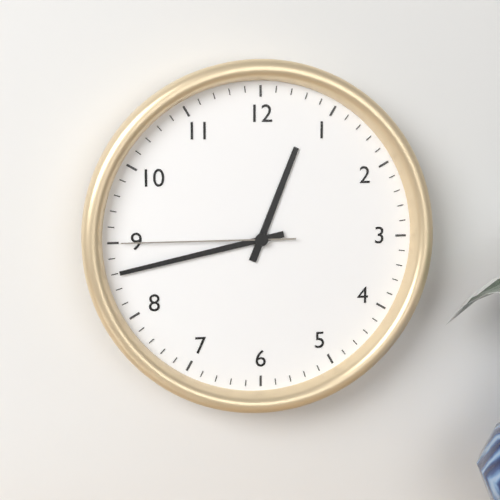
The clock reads 12h43m45s
